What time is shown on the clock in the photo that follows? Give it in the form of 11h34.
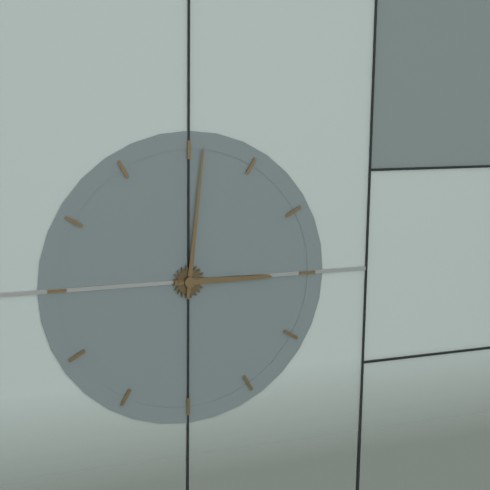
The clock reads 3h01
